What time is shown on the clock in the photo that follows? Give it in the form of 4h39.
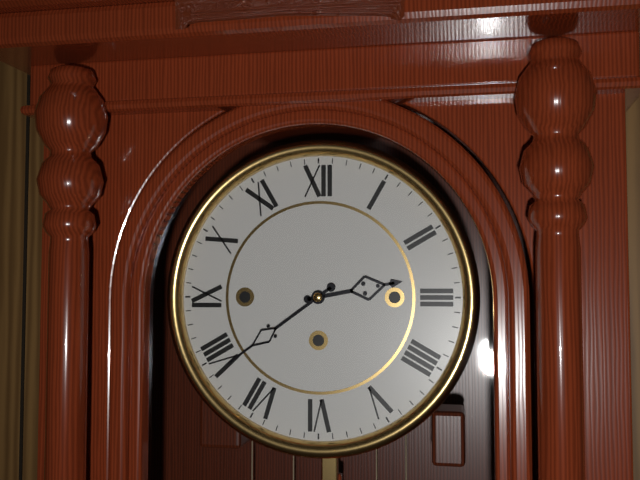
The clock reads 2h39
